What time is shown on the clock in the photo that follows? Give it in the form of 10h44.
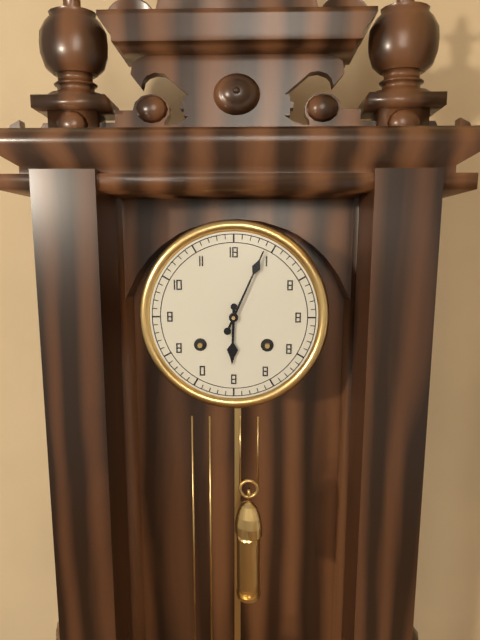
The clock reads 6h04
